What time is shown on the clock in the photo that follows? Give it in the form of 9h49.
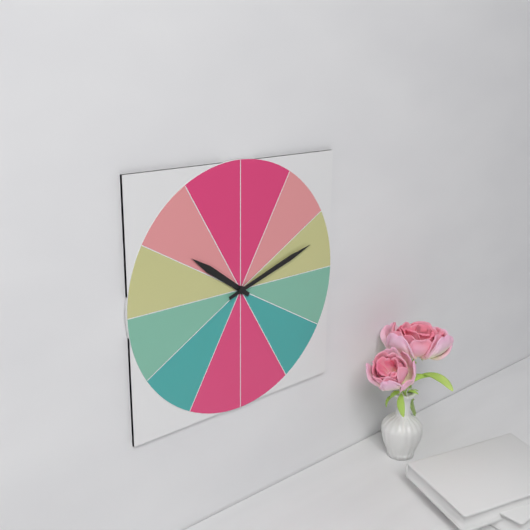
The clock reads 10h12
